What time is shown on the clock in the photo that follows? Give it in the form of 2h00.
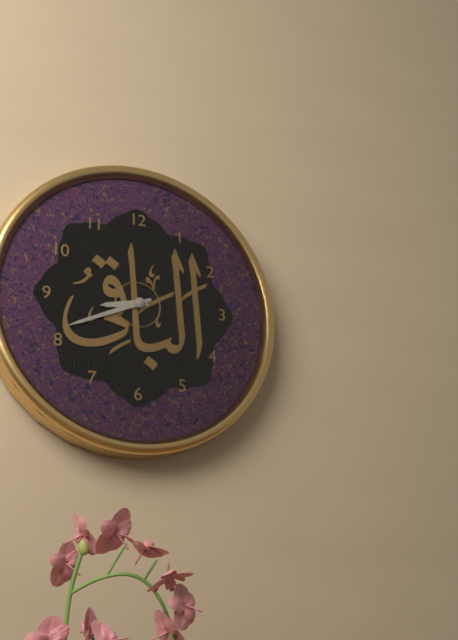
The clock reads 8h41
